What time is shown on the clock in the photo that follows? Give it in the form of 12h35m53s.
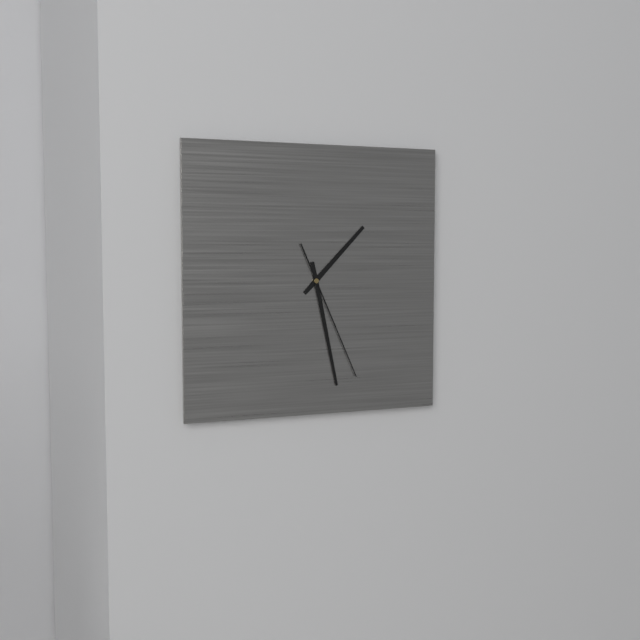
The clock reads 1h28m26s
